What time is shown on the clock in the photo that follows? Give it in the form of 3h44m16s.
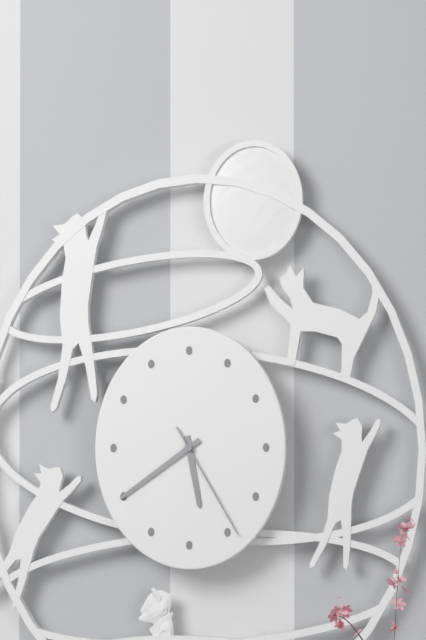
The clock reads 5h39m25s
